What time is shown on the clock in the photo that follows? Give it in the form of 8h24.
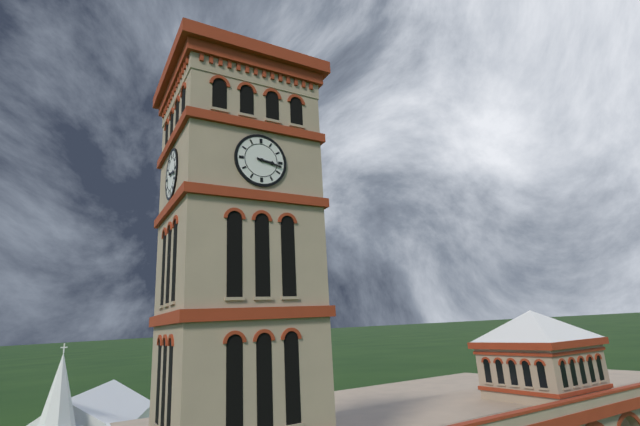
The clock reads 3h17
